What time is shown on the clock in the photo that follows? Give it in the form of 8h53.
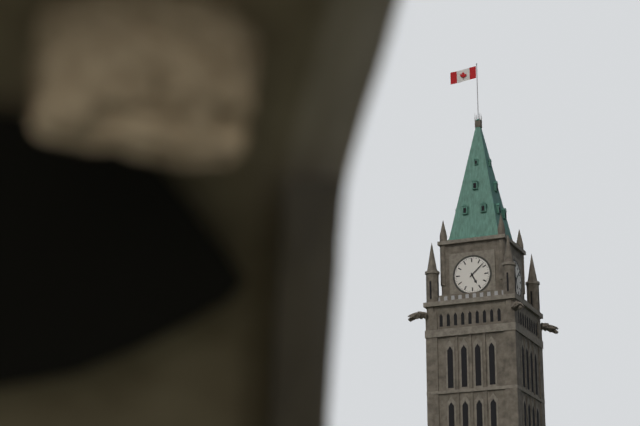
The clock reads 5h08
